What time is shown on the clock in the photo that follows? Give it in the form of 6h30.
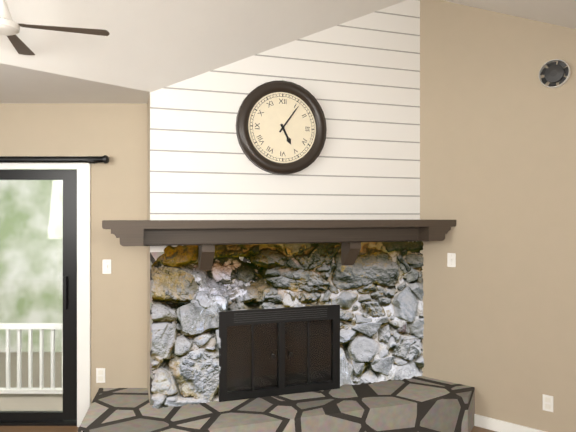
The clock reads 5h06
